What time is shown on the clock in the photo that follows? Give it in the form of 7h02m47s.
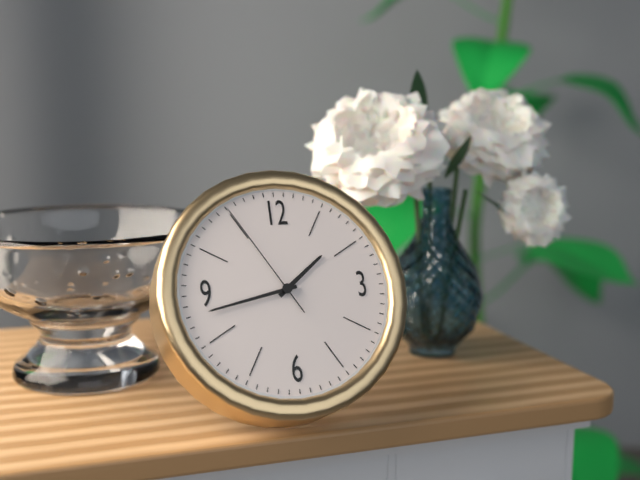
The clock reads 1h43m55s
